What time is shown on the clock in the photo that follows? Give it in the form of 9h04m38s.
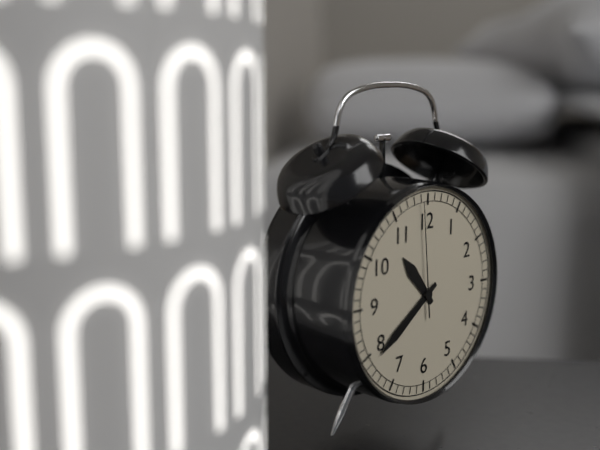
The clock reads 10h39m59s
